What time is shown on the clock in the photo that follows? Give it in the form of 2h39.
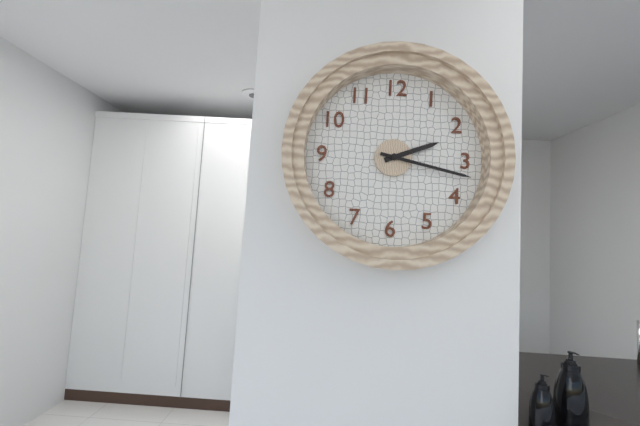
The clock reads 2h17
